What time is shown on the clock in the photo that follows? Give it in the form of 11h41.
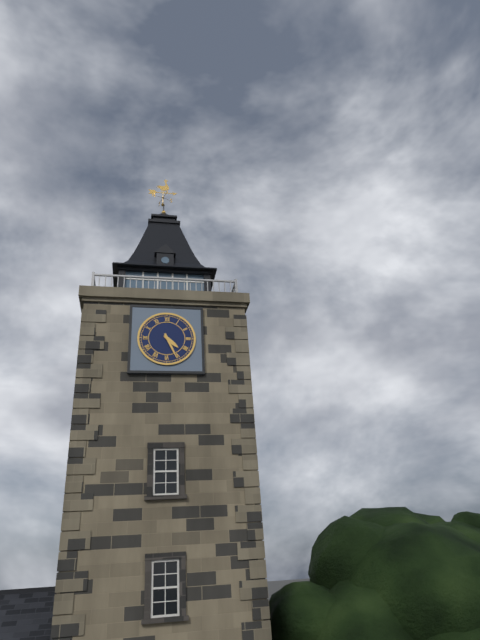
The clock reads 4h26
